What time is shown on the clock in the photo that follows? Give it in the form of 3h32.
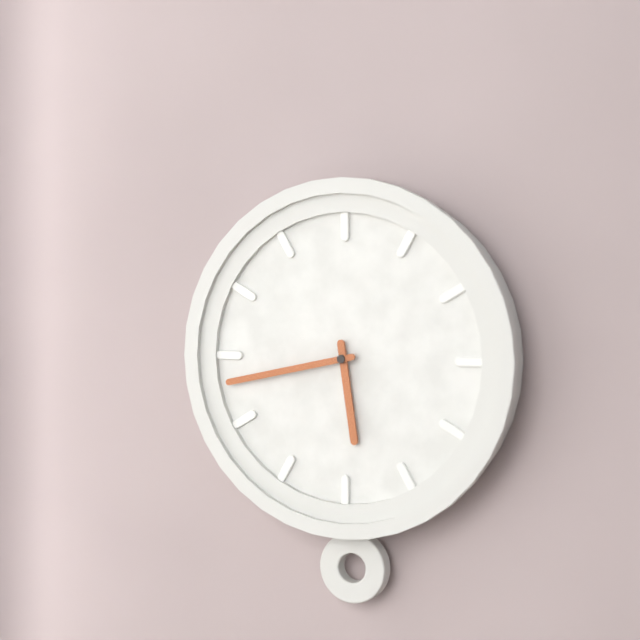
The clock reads 5h43
